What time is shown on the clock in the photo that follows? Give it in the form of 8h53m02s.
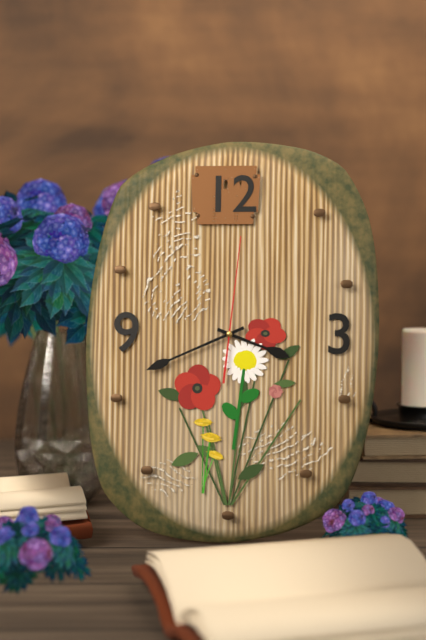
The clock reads 3h41m01s
